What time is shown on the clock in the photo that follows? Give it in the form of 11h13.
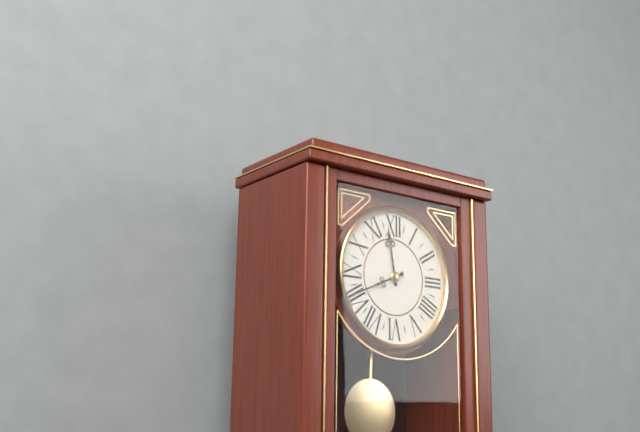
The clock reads 11h41
